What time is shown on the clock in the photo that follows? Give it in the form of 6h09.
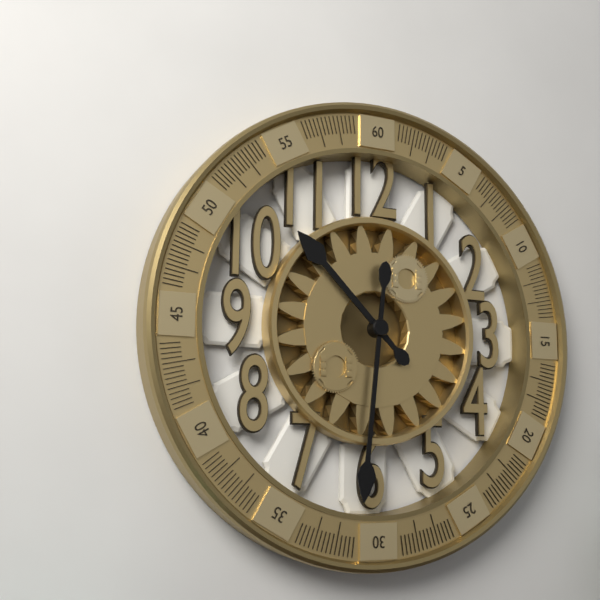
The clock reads 10h31
